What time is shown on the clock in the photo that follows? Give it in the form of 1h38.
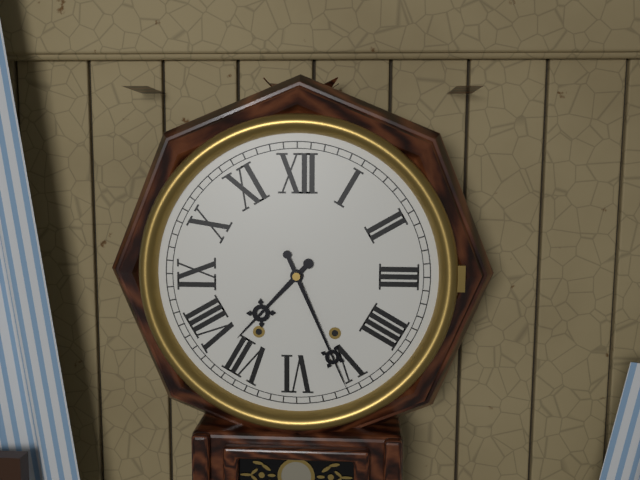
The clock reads 7h26
